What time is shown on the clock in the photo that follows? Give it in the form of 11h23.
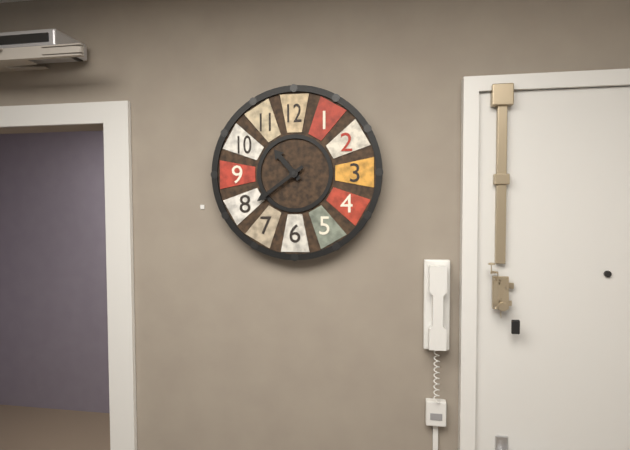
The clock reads 10h39
